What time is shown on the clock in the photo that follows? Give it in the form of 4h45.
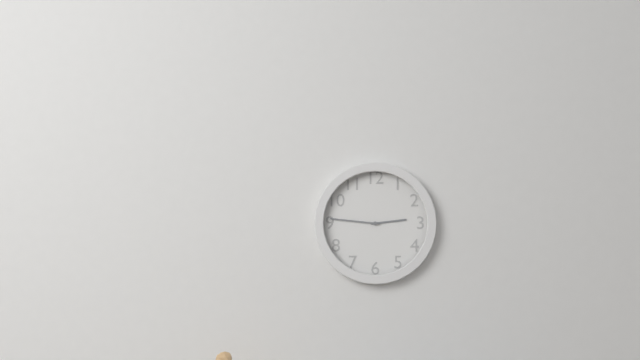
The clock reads 2h46
